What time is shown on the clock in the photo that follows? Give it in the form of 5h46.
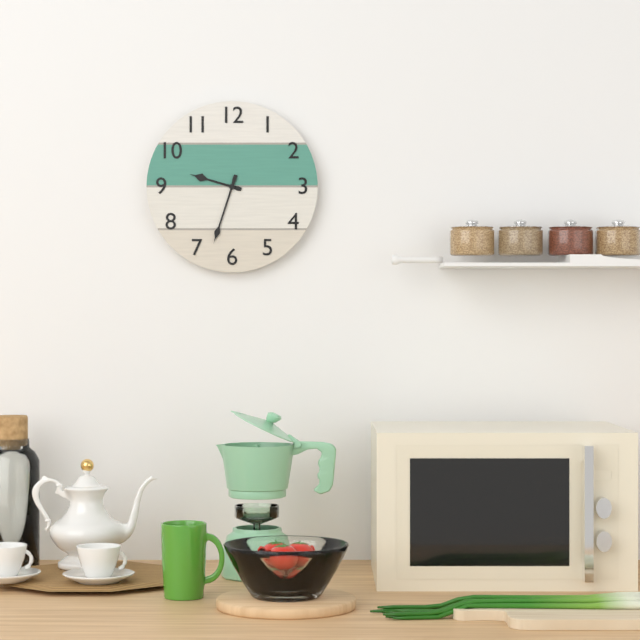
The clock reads 9h33
